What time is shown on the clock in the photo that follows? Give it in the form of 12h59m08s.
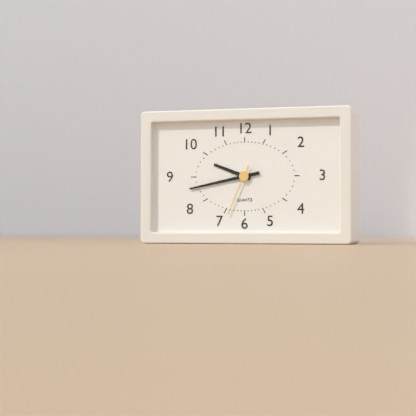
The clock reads 9h43m34s
